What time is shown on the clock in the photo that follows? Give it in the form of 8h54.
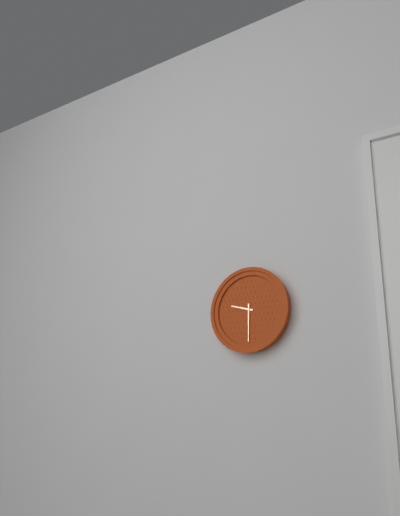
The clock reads 9h30
